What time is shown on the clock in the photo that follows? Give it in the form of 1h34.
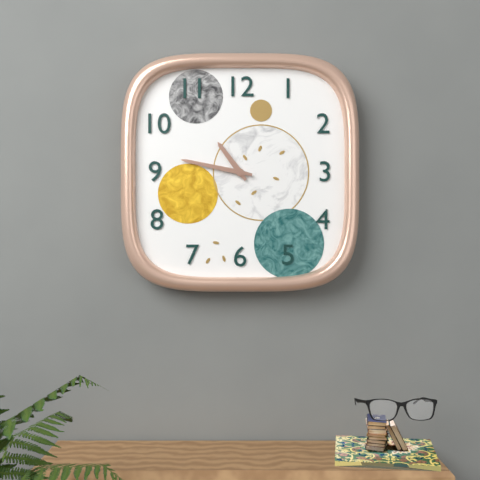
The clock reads 10h47
